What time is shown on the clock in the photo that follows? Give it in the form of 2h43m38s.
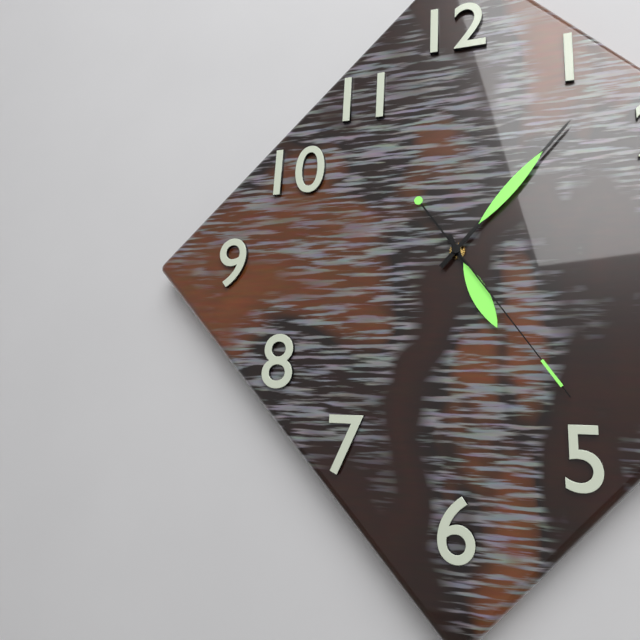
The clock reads 5h07m24s
